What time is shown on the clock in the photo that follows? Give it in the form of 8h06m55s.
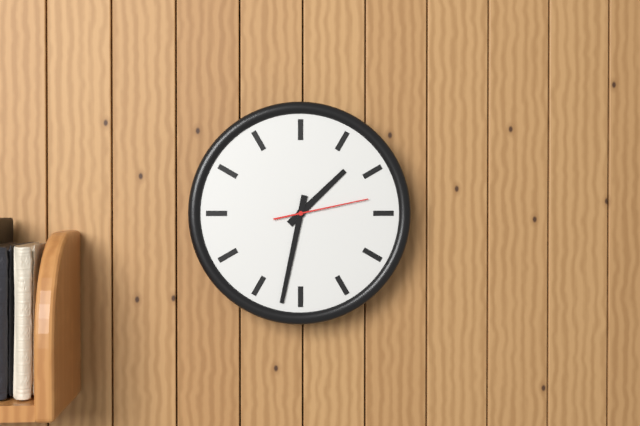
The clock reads 1h32m13s
